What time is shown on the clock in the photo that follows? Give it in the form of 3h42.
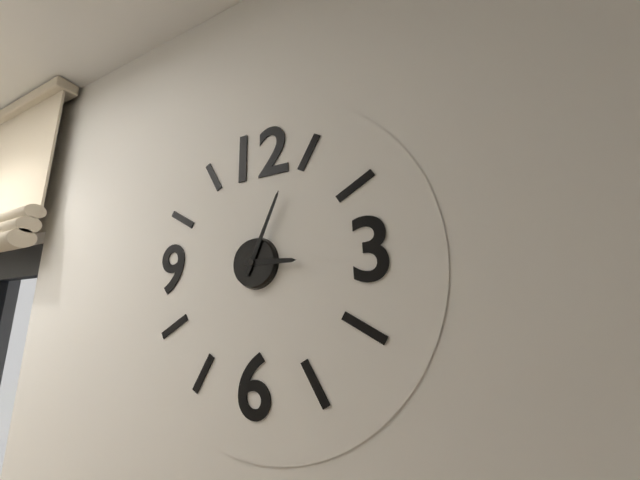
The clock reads 3h04
